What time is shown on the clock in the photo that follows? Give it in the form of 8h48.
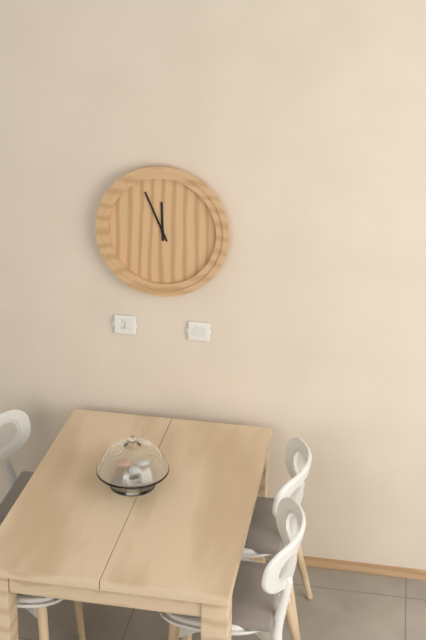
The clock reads 11h56
